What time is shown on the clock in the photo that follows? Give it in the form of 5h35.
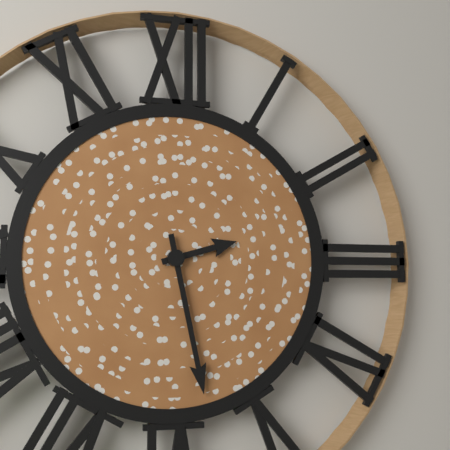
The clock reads 2h28
